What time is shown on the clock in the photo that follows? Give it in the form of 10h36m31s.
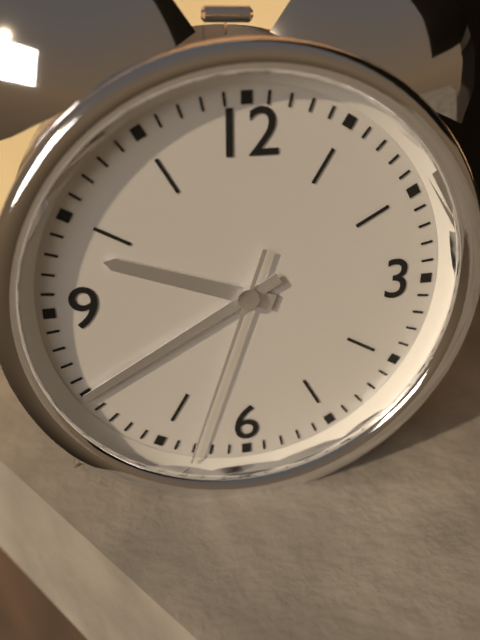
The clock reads 9h40m33s
